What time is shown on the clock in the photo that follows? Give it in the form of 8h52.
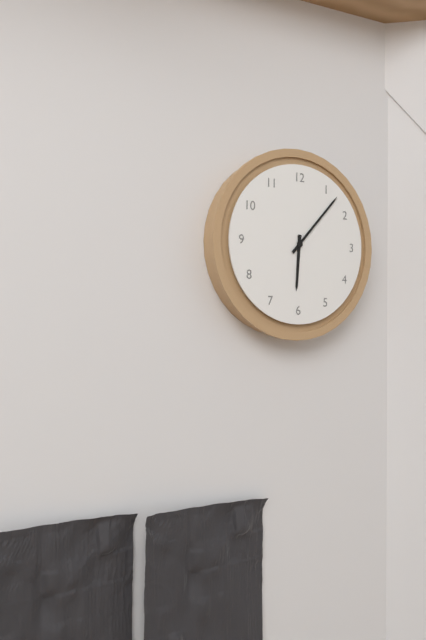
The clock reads 6h07
